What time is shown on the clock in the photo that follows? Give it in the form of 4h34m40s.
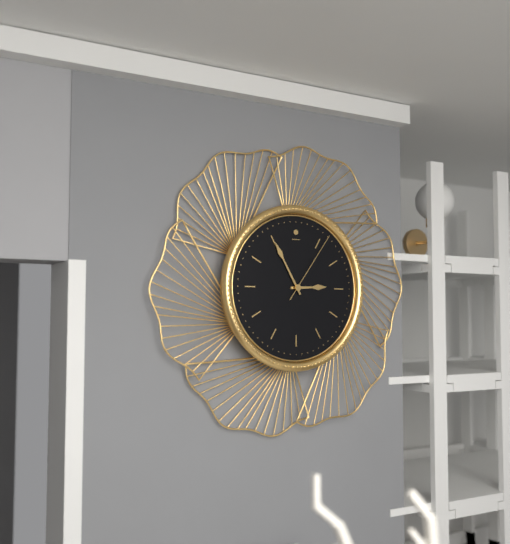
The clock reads 2h55m06s
